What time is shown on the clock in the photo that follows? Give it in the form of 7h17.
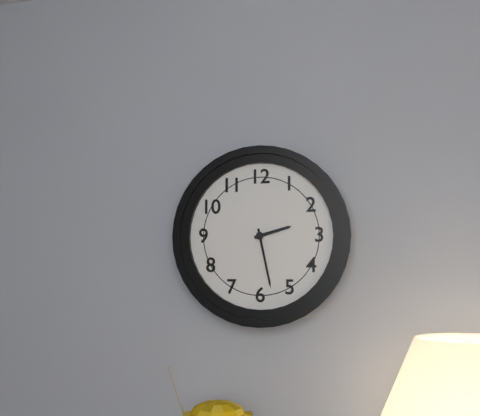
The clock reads 2h28
